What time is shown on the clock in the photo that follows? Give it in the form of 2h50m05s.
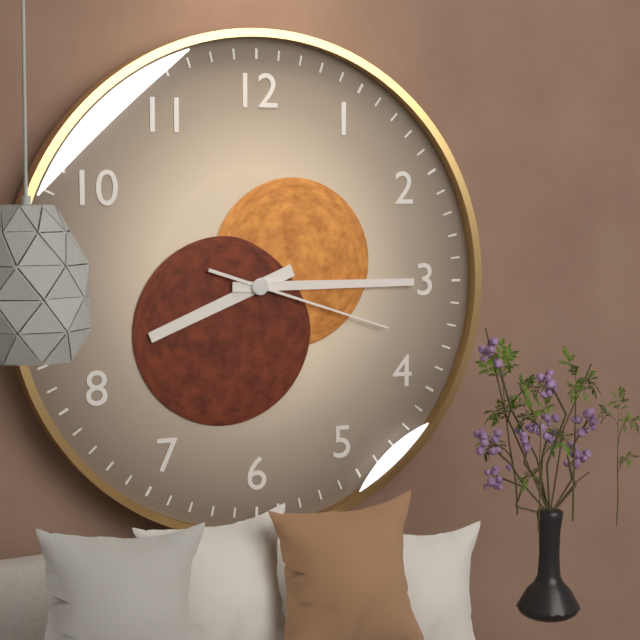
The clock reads 8h15m18s
